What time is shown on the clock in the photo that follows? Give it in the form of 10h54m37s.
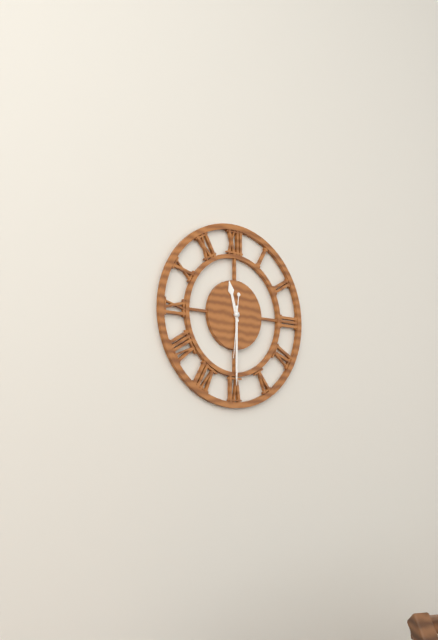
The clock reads 11h30m31s
